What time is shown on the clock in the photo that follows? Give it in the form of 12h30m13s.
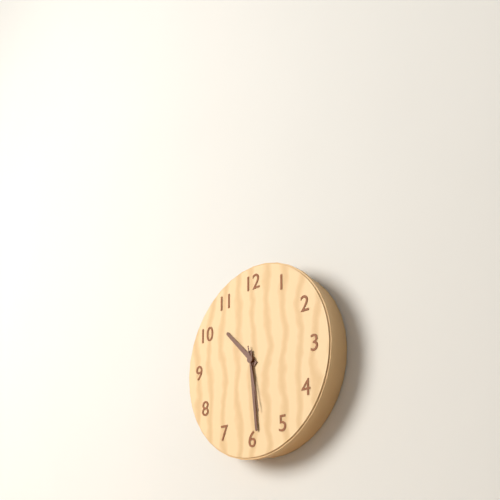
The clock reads 10h29m28s
